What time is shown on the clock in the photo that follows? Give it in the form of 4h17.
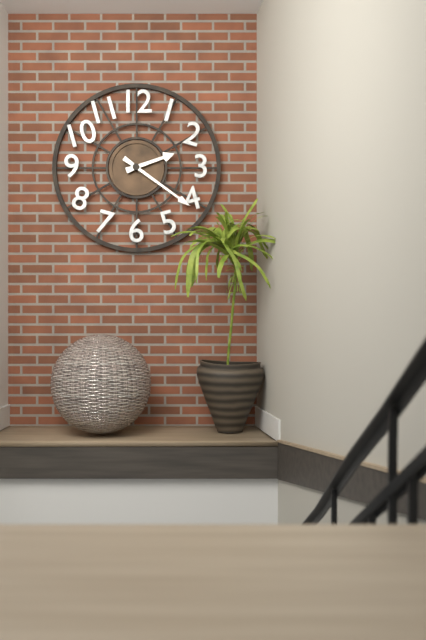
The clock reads 2h21
